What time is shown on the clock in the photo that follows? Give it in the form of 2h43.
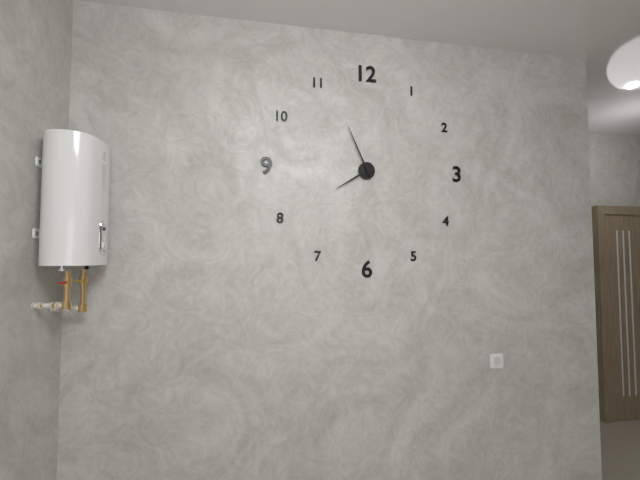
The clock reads 7h56
